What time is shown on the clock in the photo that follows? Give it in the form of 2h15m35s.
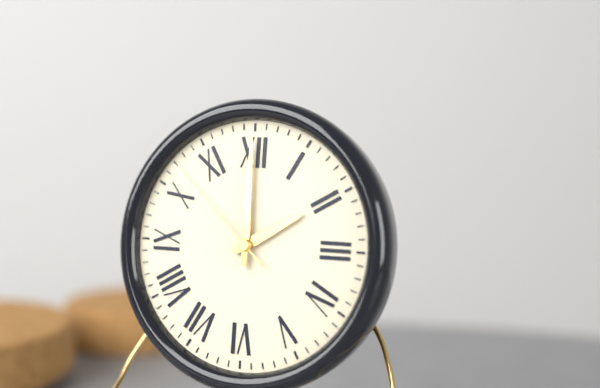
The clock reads 2h00m52s
